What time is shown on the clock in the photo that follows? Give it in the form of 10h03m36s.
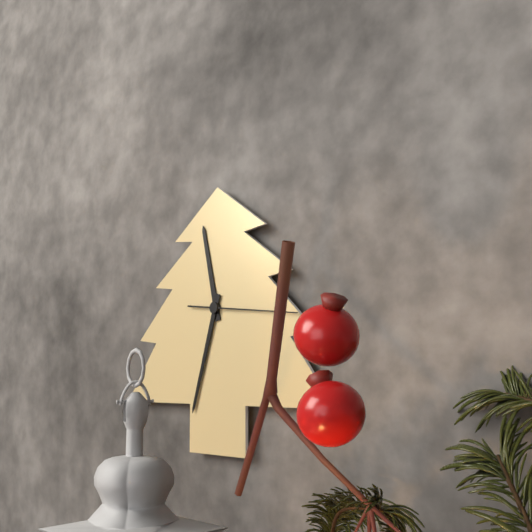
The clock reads 11h33m16s
